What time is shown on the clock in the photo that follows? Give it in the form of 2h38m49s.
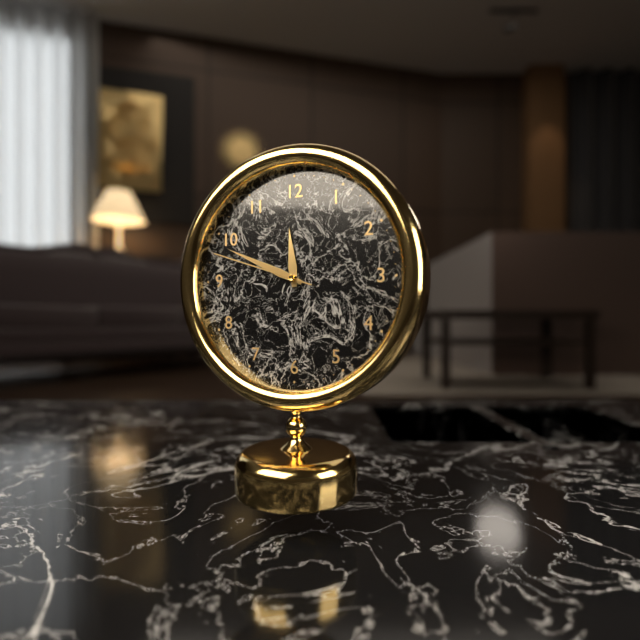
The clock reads 11h49m48s
